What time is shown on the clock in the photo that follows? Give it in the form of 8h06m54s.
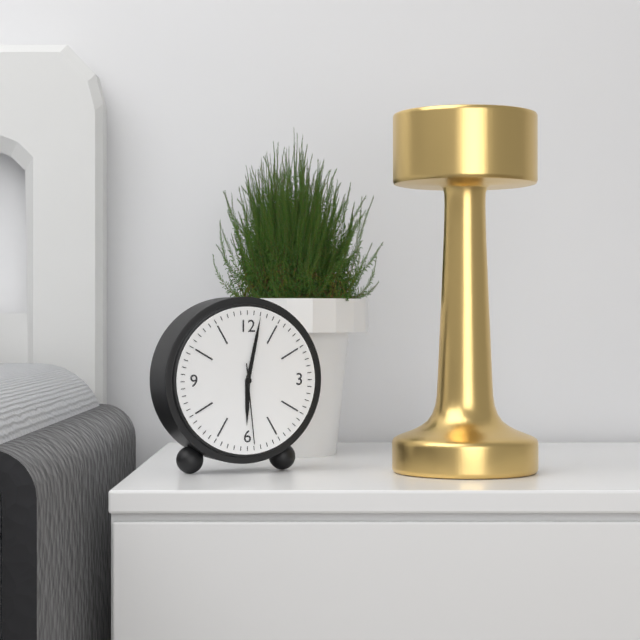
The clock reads 6h02m29s
